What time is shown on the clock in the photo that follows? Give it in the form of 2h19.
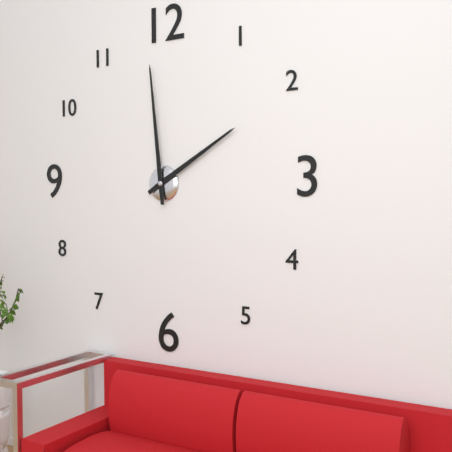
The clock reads 1h59
